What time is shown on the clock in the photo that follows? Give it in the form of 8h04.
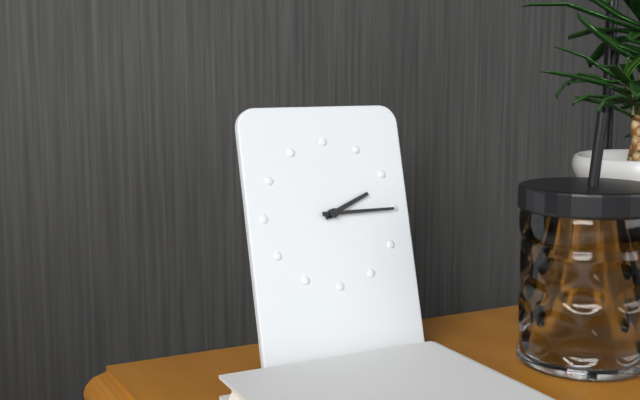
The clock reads 2h15
